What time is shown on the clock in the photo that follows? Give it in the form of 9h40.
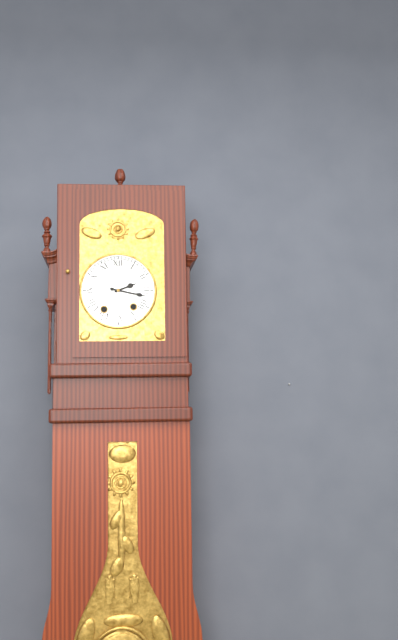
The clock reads 2h17
